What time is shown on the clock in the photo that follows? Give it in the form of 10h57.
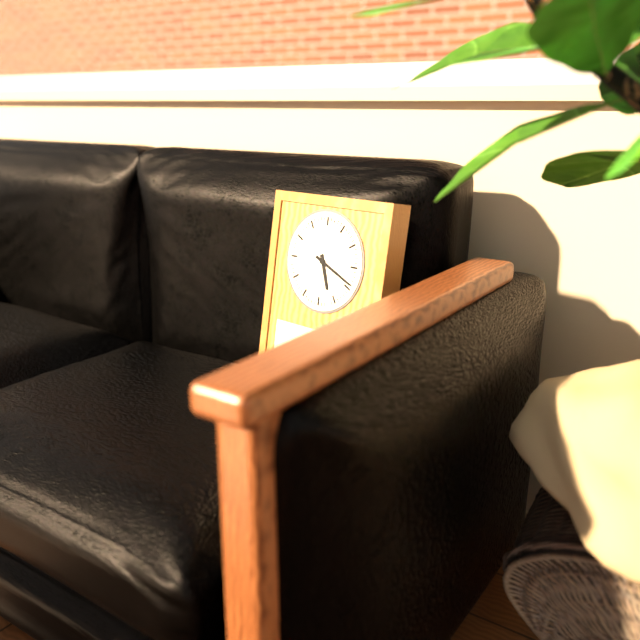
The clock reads 5h19
